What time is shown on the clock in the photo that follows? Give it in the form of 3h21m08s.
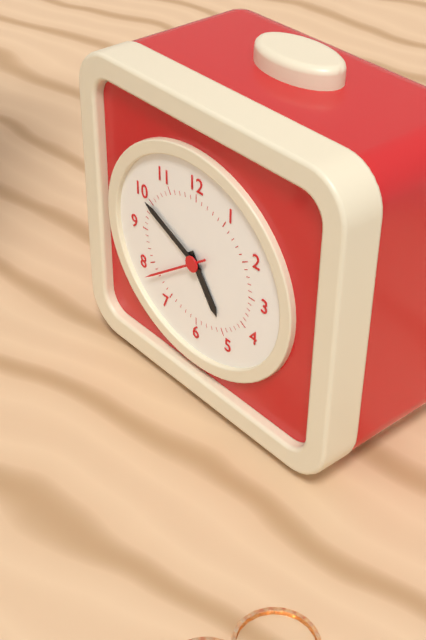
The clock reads 4h49m39s
